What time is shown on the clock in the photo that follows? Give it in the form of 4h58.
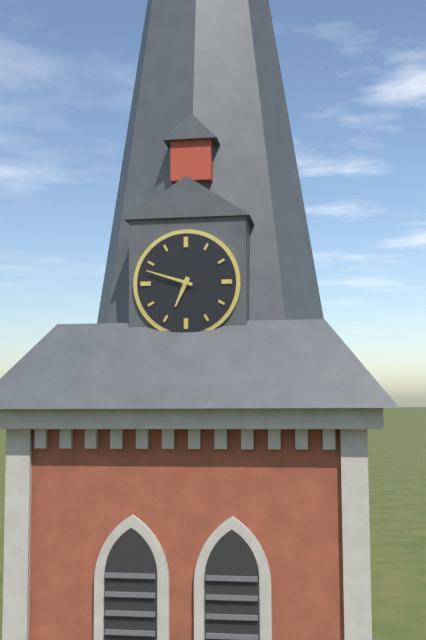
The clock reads 6h48
